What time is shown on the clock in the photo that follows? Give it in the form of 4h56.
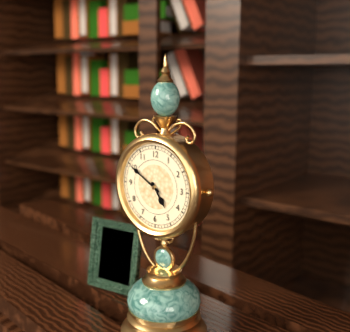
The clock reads 4h50
